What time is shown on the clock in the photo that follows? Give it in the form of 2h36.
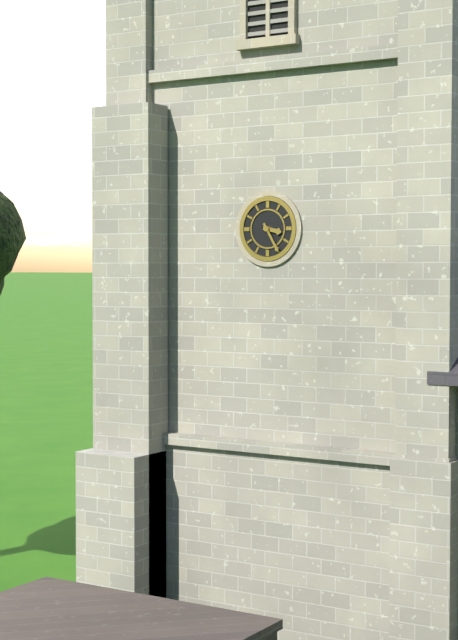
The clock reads 3h25
